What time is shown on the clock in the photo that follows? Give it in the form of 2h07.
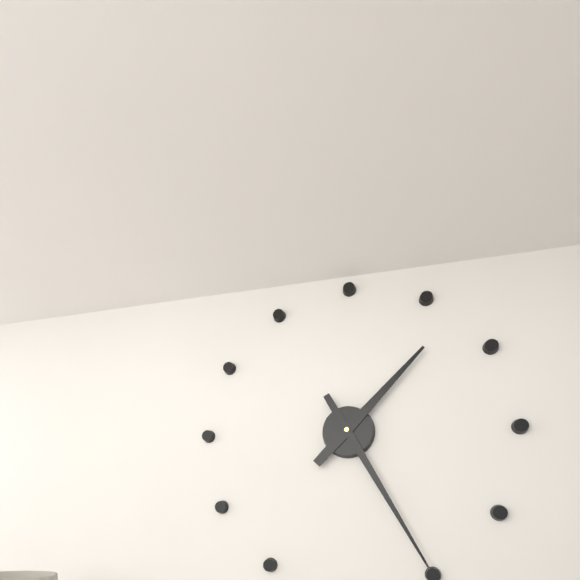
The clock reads 1h25
